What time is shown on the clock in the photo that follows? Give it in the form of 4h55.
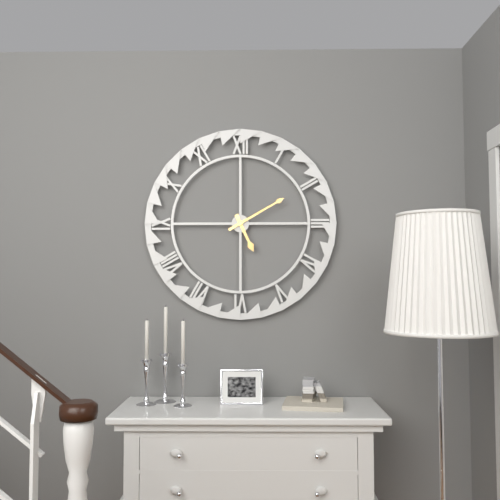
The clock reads 5h10
